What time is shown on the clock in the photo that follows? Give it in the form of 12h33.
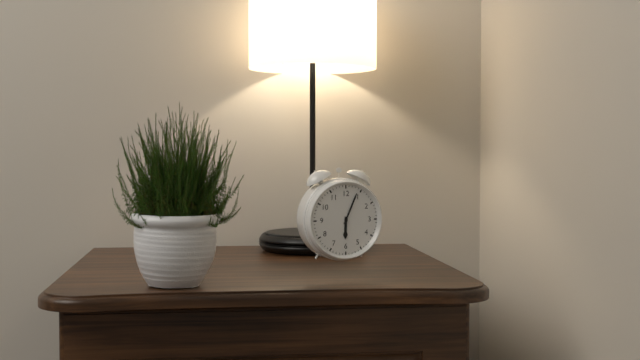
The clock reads 6h04
